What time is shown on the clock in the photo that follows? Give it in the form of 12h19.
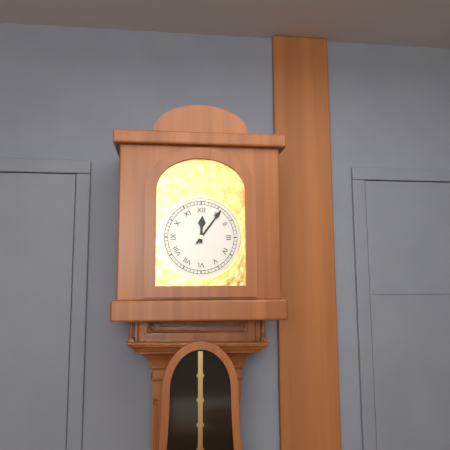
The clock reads 12h06
